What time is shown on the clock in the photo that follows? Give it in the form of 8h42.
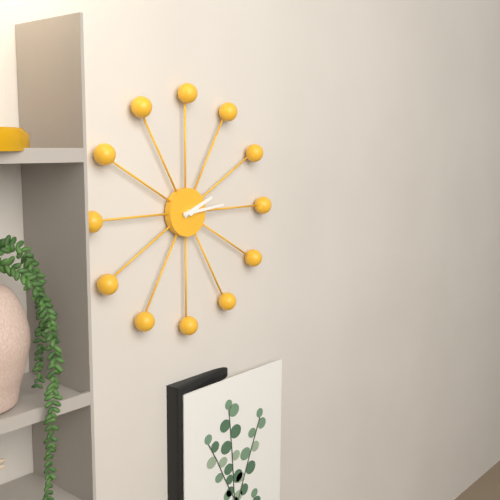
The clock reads 2h14
